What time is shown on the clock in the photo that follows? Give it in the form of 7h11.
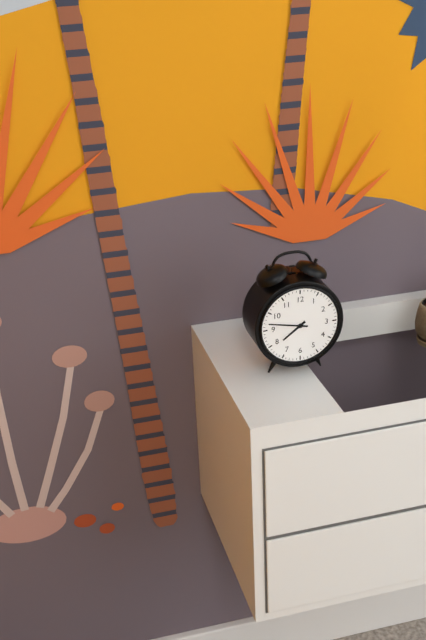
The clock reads 7h47
